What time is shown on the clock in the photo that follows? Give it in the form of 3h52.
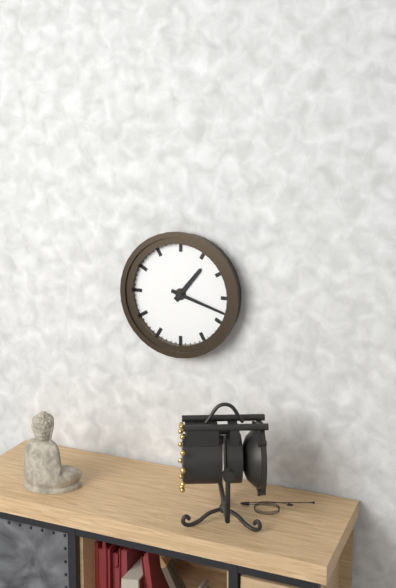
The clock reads 1h18
